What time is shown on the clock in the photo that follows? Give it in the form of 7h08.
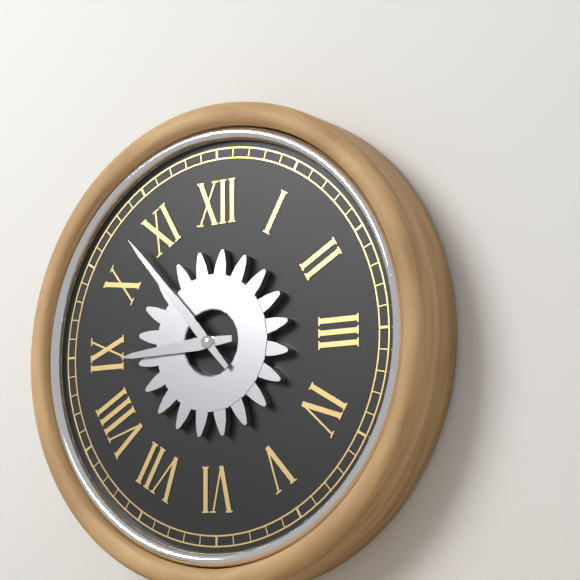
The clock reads 8h53
